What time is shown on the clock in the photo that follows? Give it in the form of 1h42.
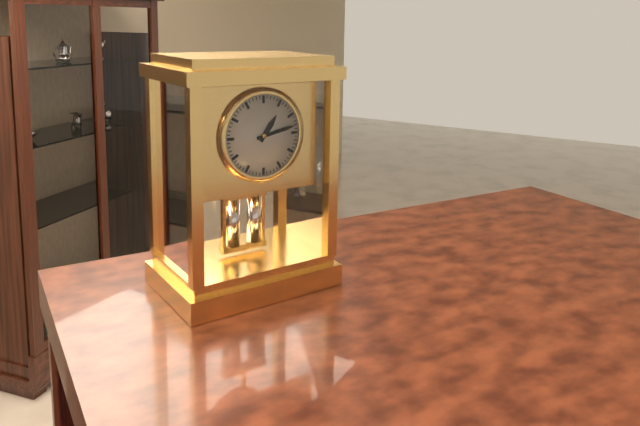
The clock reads 1h13
